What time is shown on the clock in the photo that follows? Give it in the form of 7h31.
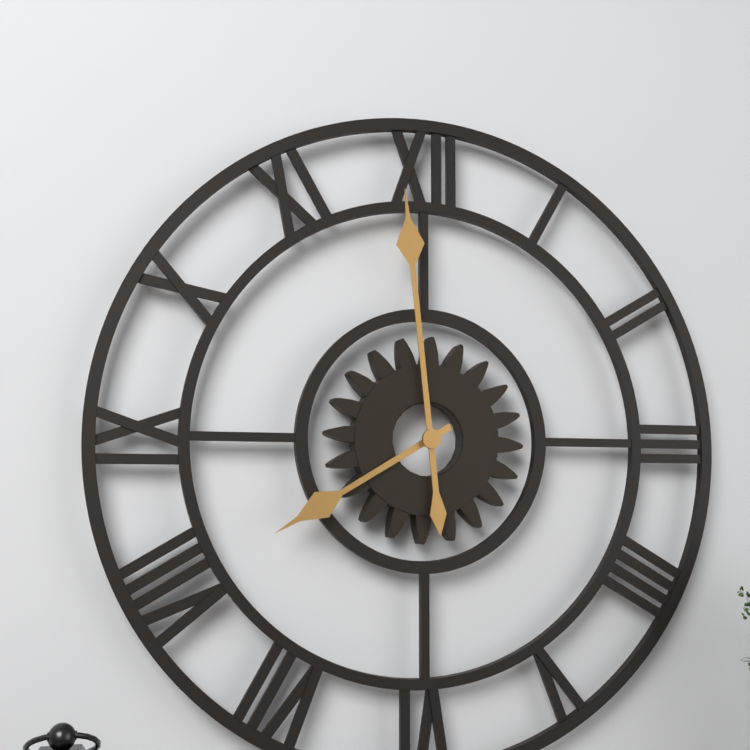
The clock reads 7h59
